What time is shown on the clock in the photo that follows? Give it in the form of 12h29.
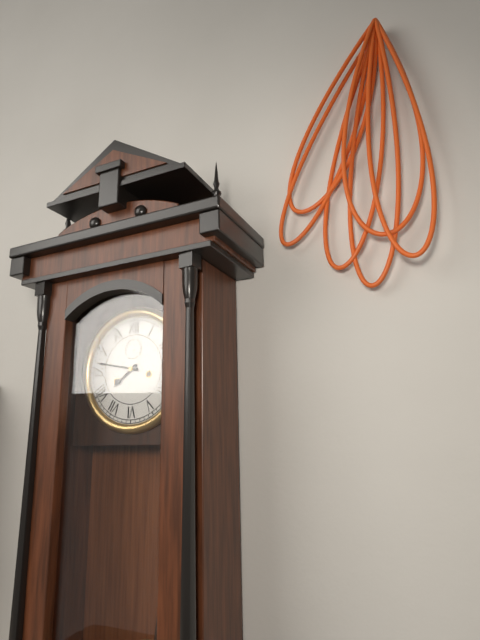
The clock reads 7h47
